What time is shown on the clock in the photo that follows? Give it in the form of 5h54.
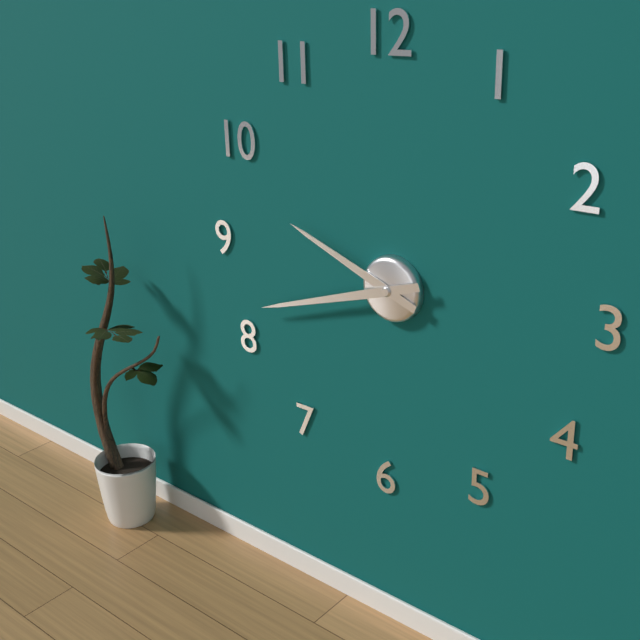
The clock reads 9h42
